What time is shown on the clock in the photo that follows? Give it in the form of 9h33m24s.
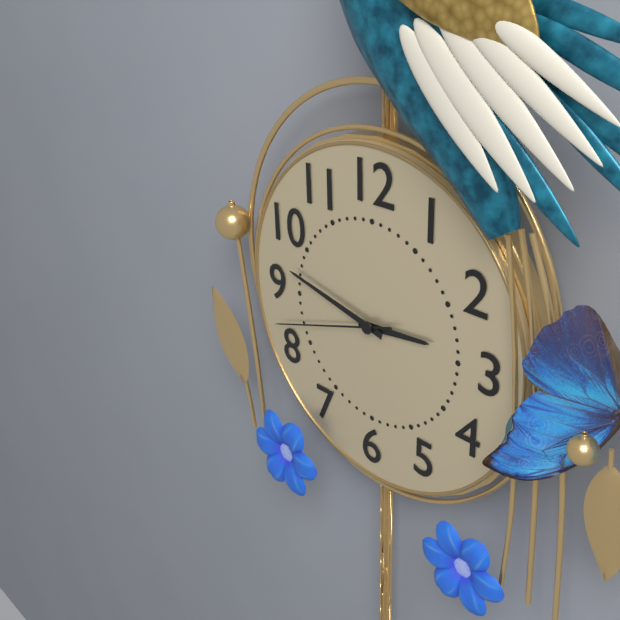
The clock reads 2h47m42s
